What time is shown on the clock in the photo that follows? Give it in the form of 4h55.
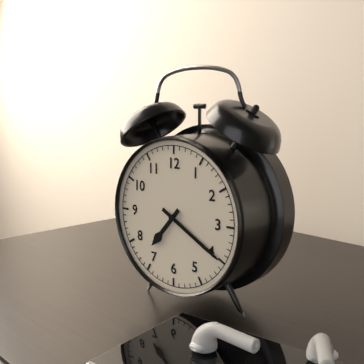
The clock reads 7h20
